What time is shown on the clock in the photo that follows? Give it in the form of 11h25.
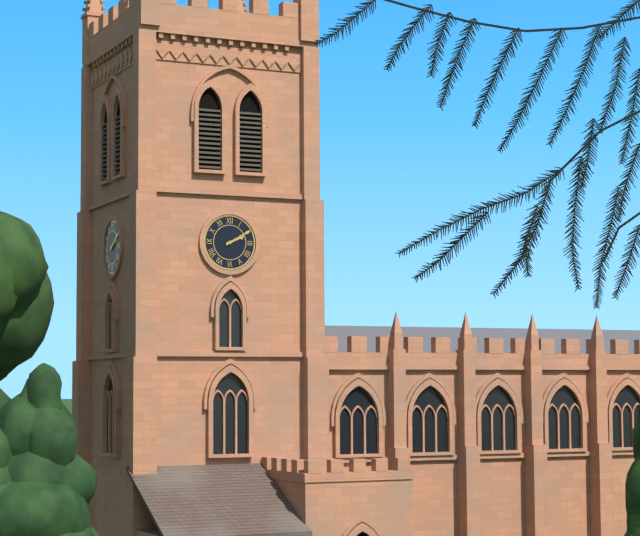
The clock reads 2h10
